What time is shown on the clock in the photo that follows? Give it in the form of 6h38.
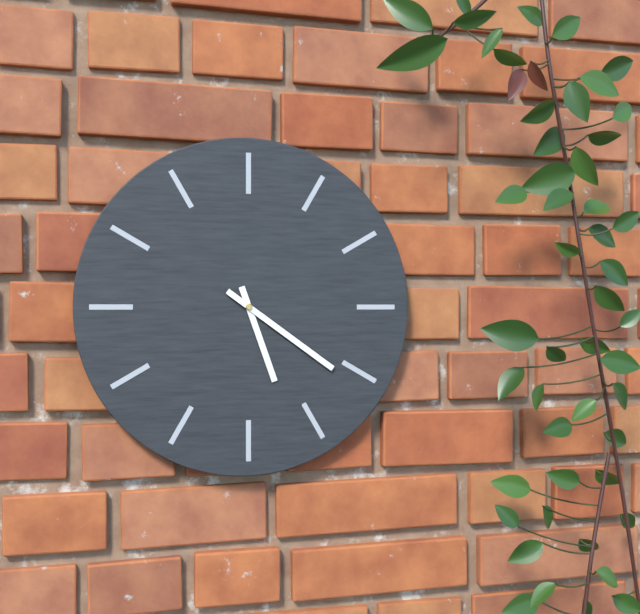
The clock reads 5h21
